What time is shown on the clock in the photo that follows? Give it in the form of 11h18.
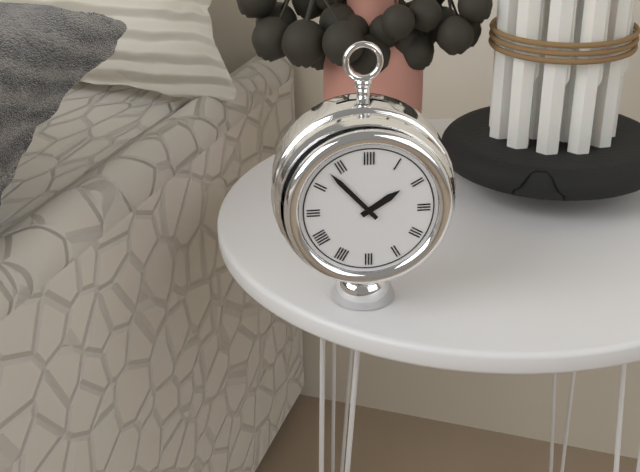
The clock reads 1h53
